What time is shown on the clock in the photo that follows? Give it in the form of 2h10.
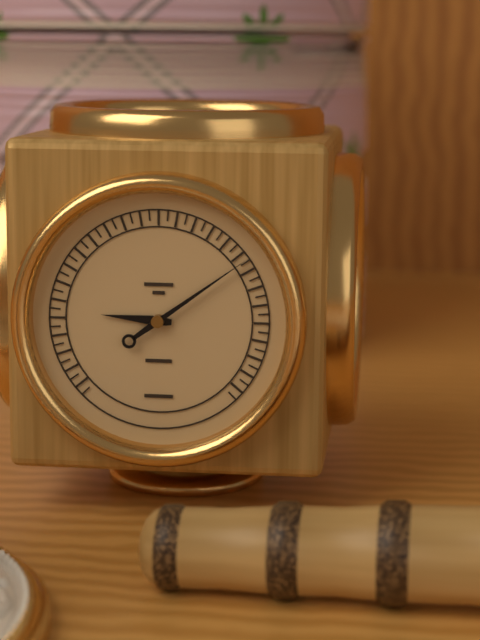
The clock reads 9h09
